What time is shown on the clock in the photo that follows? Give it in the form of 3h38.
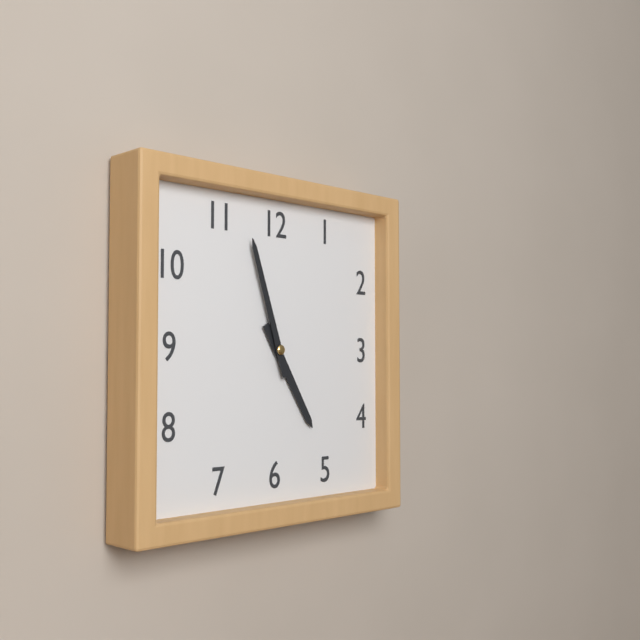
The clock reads 4h57
